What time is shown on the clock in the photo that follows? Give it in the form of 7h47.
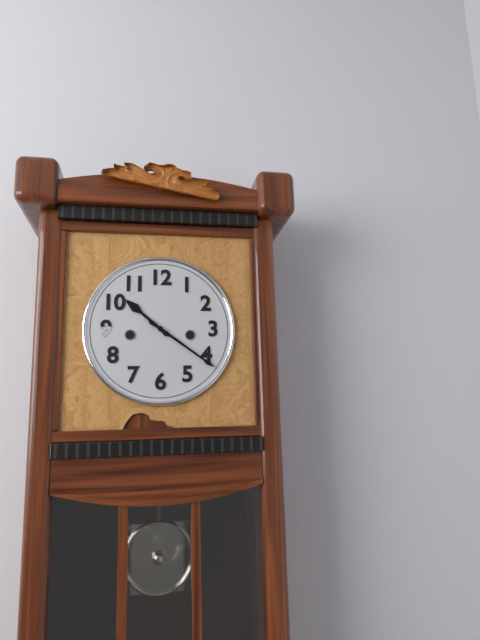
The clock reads 10h21
